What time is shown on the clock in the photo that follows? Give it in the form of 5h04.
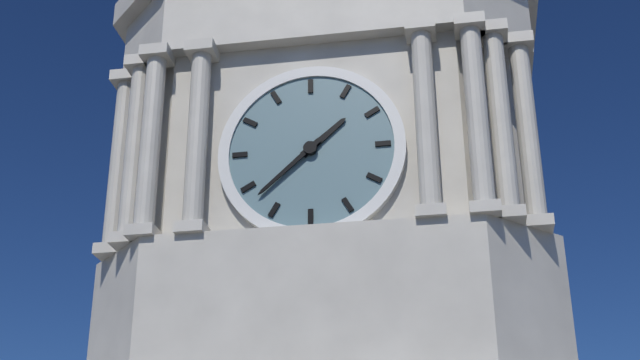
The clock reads 1h38
